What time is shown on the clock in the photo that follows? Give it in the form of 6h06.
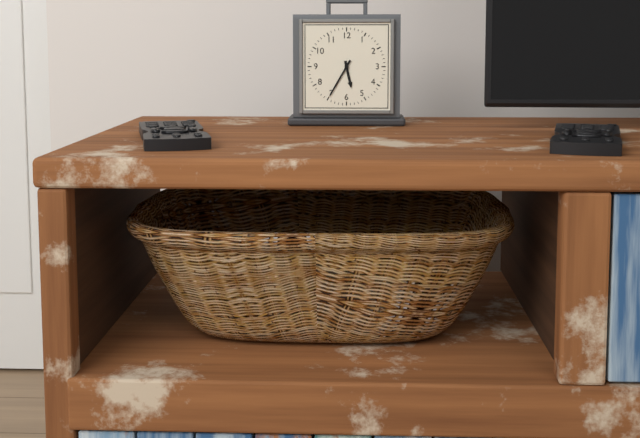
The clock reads 5h35
